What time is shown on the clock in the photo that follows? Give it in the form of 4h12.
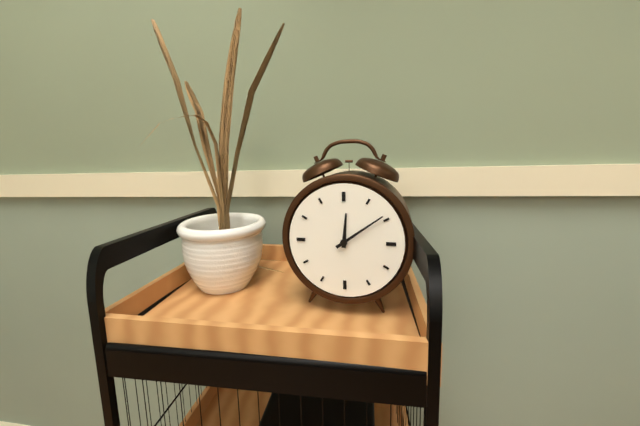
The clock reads 12h09
